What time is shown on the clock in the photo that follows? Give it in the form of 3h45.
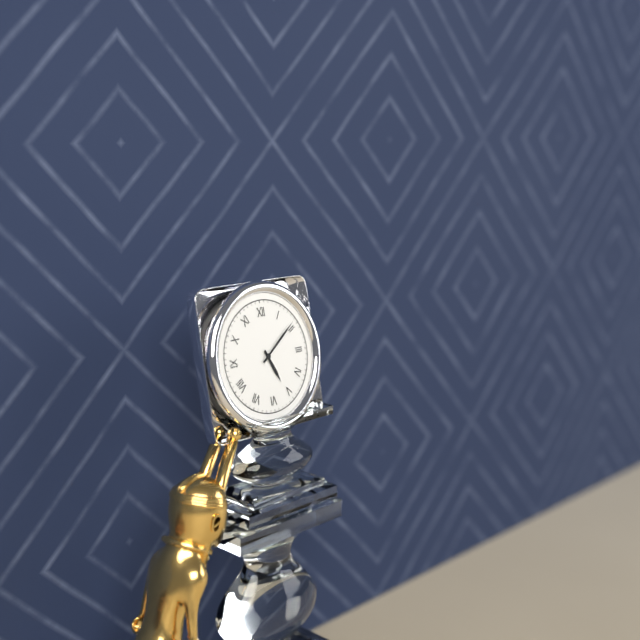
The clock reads 5h09
